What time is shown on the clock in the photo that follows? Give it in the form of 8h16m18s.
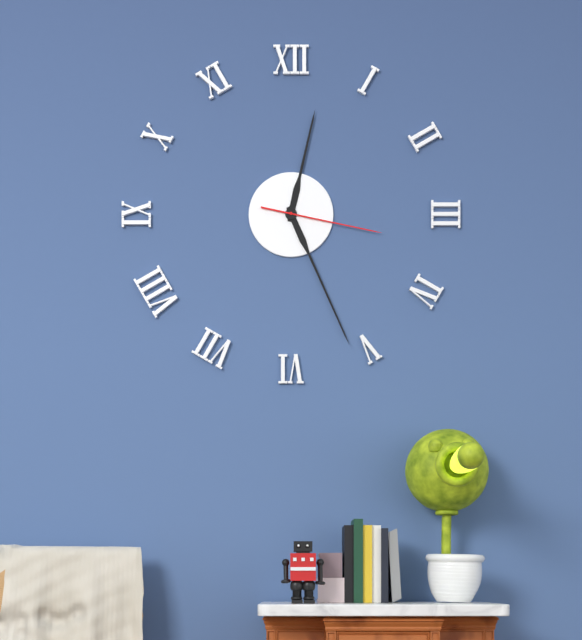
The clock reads 12h26m17s
